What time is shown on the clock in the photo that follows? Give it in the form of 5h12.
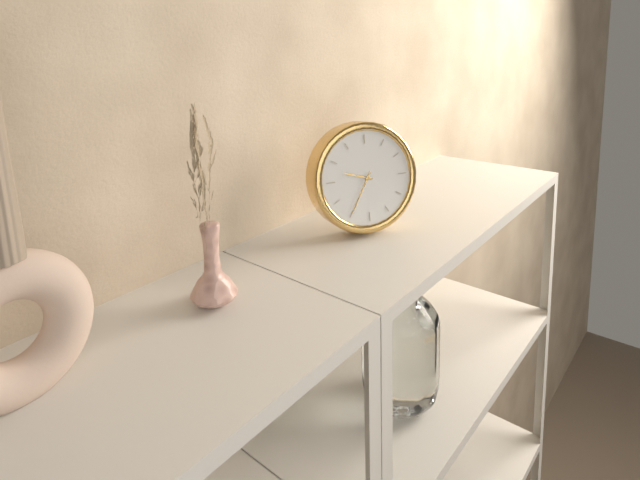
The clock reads 9h35
